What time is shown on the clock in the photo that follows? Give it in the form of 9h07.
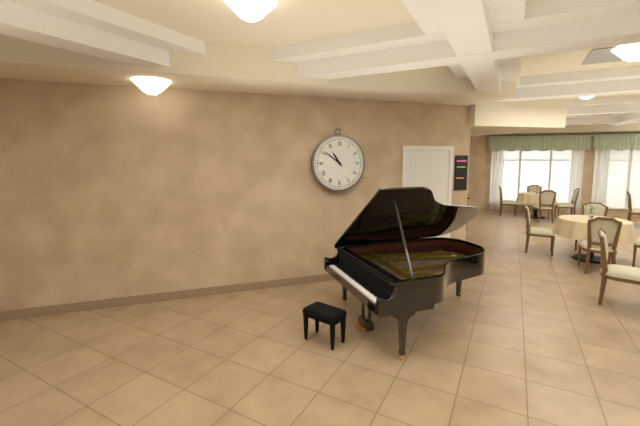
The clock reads 10h51
